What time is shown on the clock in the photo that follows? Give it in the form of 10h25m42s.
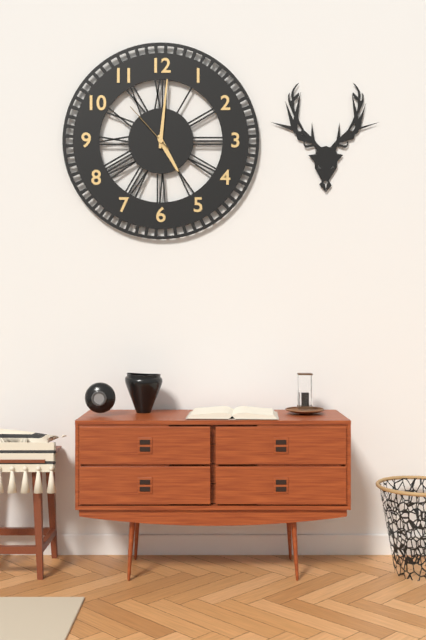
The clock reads 5h01m53s
